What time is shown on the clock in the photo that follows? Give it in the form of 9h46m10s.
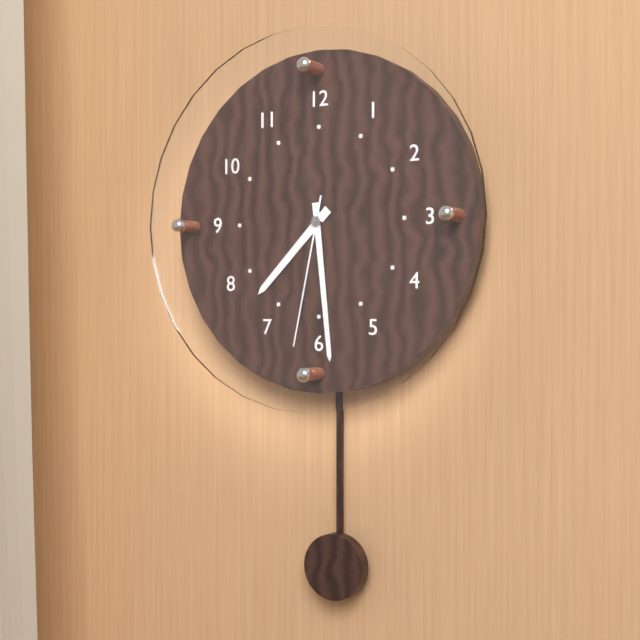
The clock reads 7h29m32s
